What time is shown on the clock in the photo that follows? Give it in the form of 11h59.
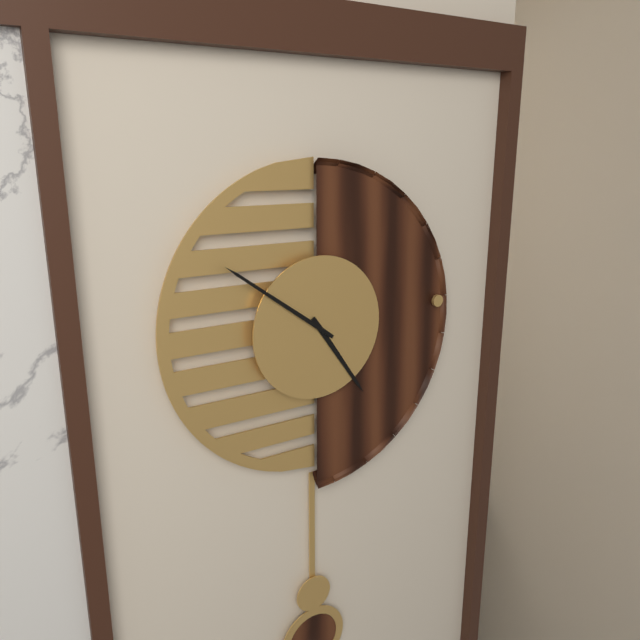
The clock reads 4h51
